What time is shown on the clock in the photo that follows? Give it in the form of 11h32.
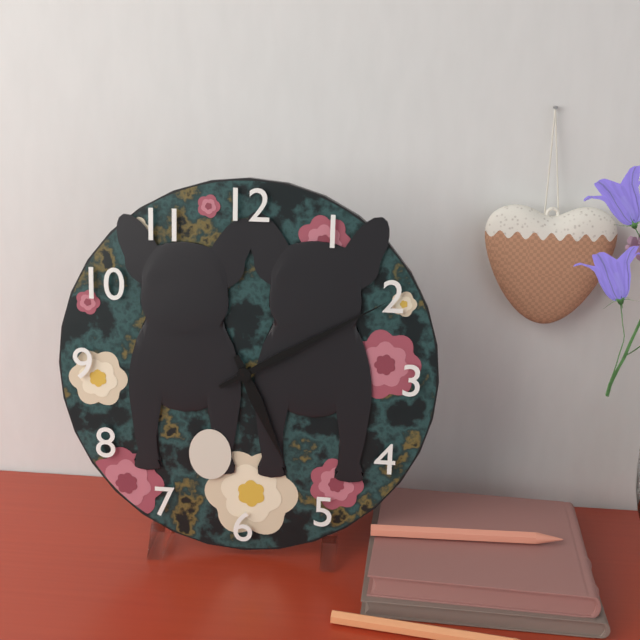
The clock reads 5h10
